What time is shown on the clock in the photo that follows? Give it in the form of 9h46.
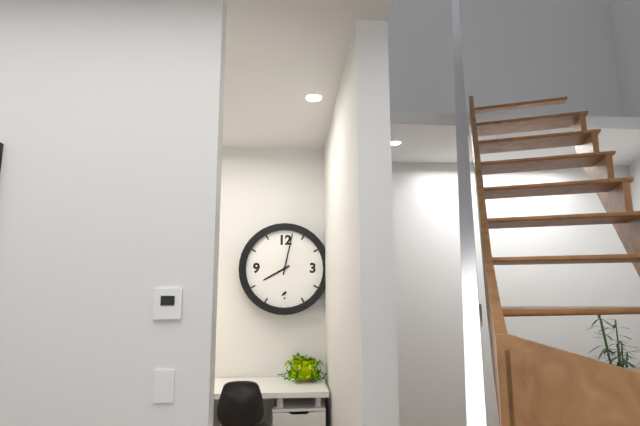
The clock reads 8h02
